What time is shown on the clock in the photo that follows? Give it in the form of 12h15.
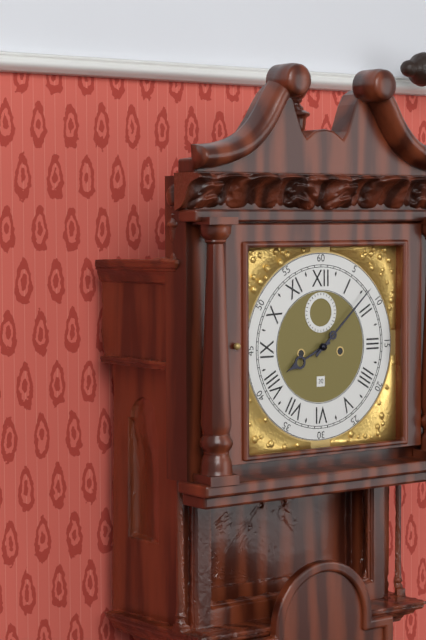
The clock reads 8h08
